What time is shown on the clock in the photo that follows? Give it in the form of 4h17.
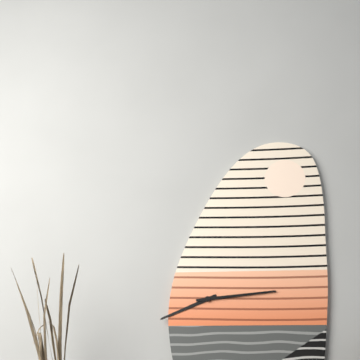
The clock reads 8h14
